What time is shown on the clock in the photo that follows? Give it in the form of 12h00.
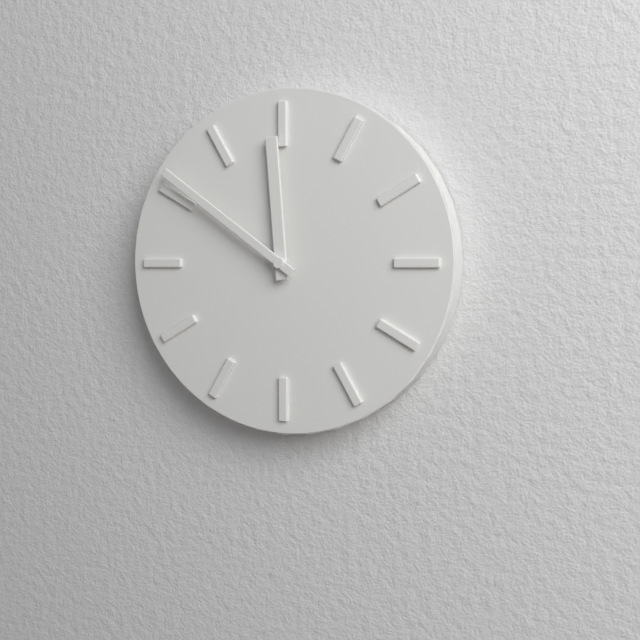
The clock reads 11h51
